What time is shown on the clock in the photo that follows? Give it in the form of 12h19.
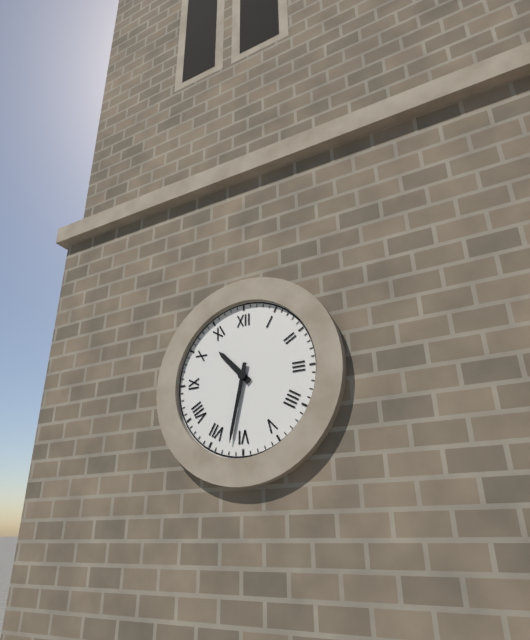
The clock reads 10h32
